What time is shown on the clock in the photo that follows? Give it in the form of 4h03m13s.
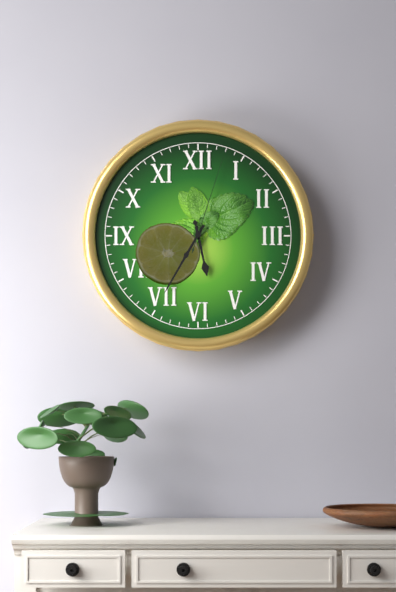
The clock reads 5h35m03s
